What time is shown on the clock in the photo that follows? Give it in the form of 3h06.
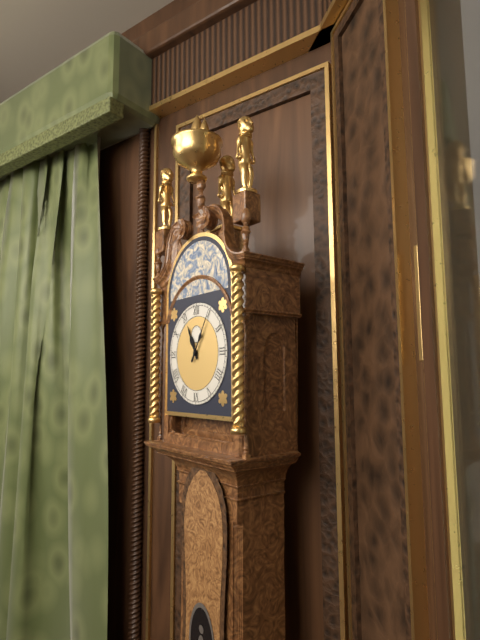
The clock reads 11h05
